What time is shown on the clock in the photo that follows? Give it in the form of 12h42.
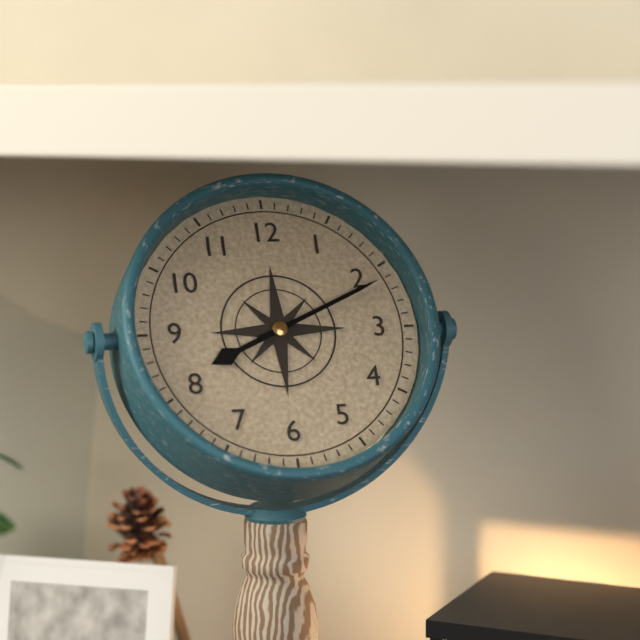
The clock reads 8h11
